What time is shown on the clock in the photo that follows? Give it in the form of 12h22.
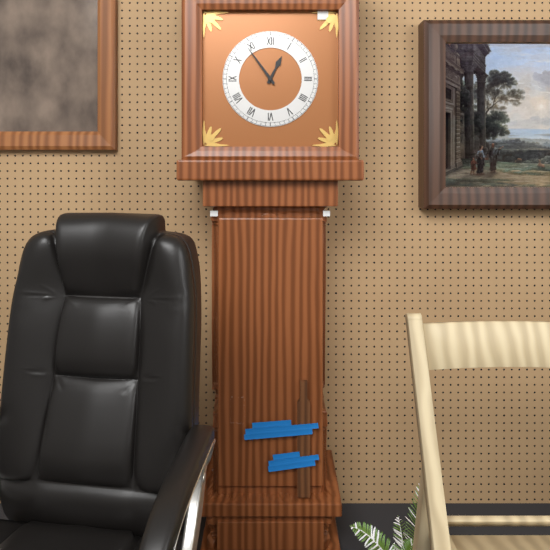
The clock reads 12h54
